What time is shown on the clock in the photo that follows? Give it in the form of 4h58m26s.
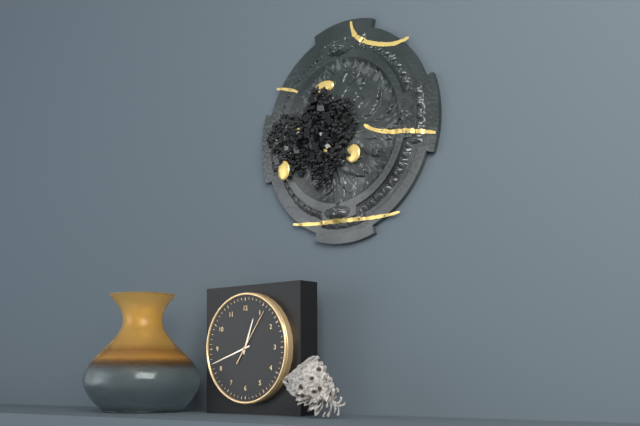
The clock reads 12h42m06s
